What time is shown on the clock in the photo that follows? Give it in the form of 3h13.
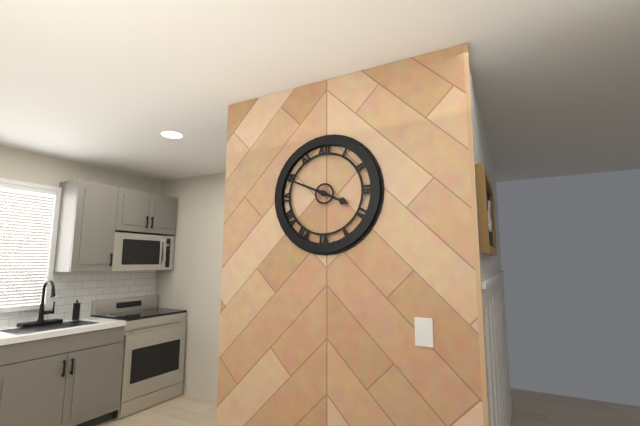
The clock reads 3h49
